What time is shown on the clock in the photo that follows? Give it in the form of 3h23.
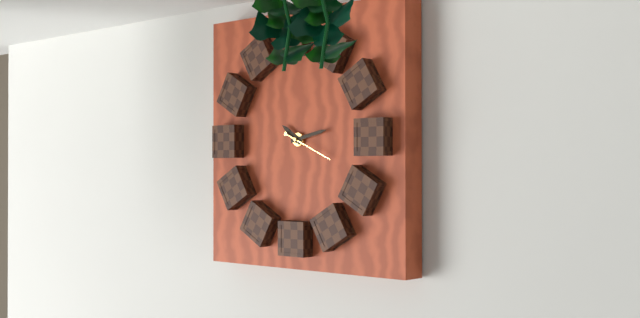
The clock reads 10h13
